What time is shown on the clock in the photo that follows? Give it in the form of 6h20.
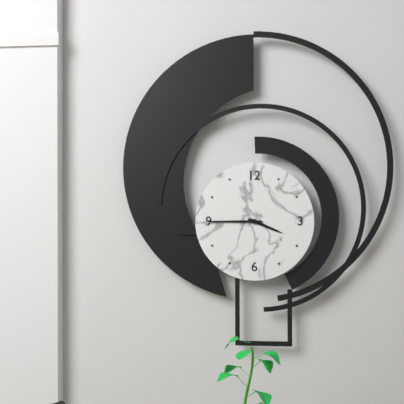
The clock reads 3h45
